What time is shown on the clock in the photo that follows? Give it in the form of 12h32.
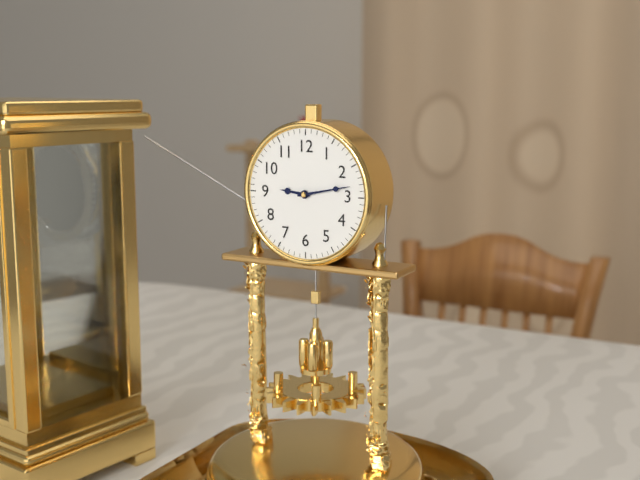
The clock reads 9h13
